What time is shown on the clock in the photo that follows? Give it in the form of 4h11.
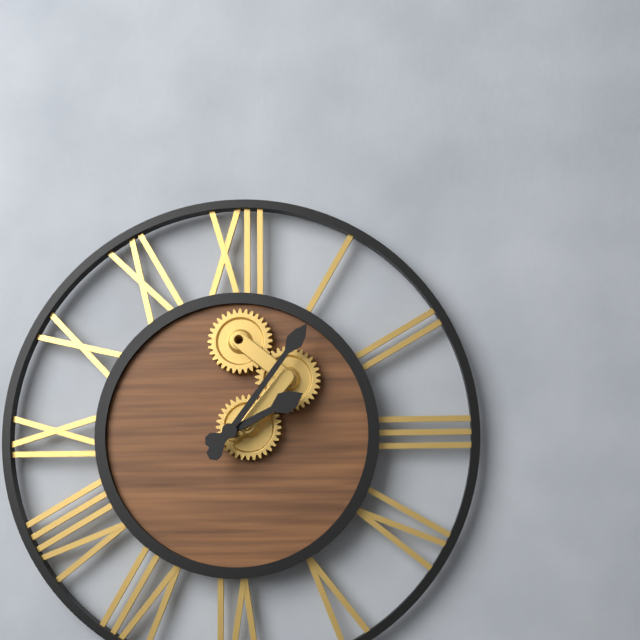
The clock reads 2h06
